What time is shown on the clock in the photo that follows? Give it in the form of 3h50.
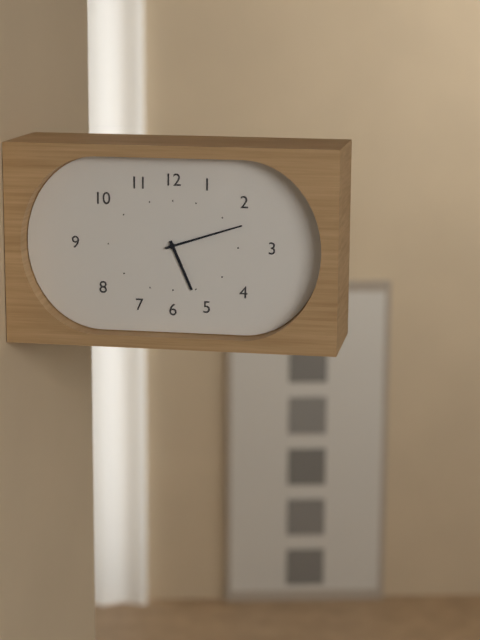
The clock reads 5h12
